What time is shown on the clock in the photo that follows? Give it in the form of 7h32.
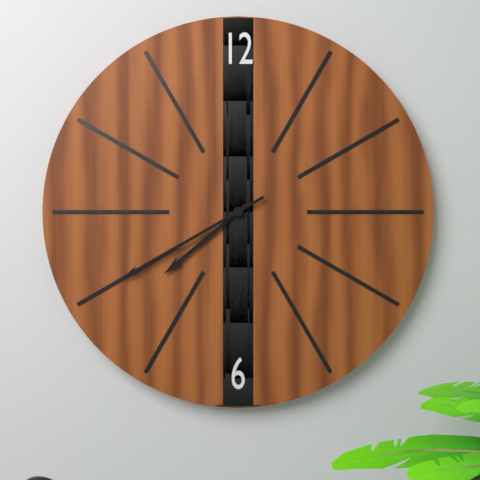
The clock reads 7h40
